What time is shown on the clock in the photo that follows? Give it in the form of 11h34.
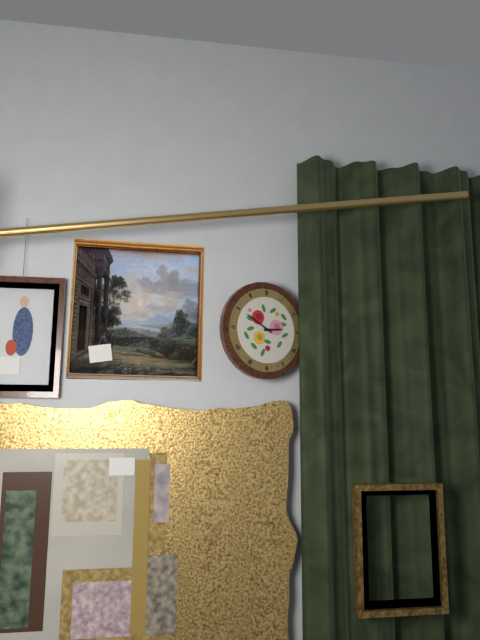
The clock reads 2h50
